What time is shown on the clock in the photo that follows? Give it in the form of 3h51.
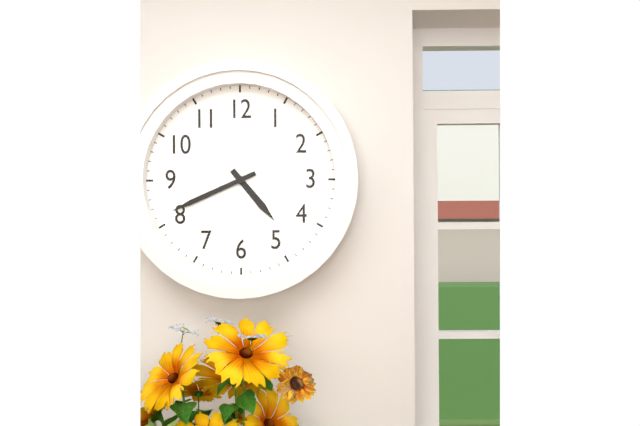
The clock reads 4h41
